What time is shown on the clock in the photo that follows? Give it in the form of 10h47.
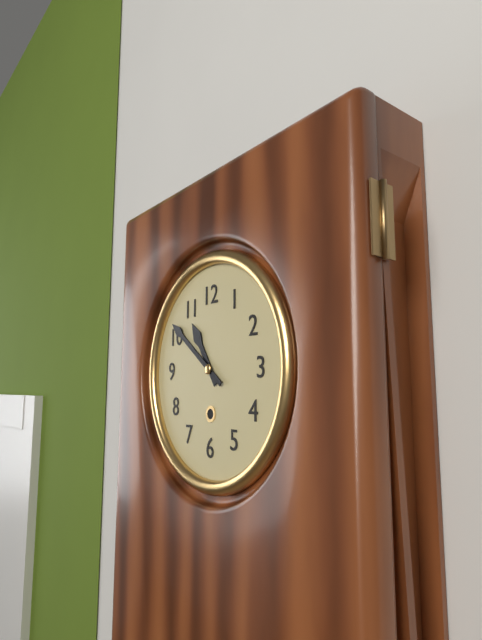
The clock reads 10h51
